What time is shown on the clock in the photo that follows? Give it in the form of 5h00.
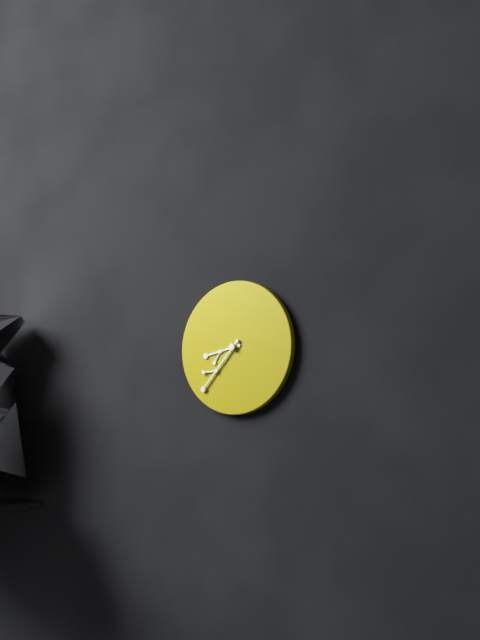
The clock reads 8h37
